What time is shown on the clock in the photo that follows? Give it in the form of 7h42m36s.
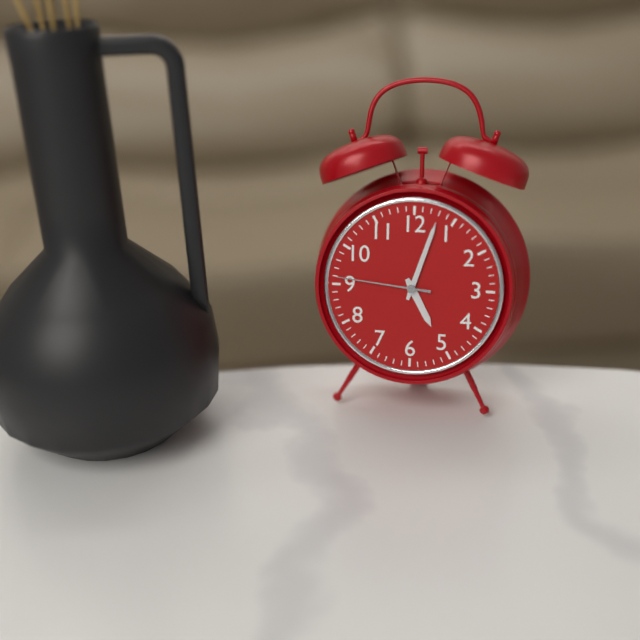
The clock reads 5h03m46s
